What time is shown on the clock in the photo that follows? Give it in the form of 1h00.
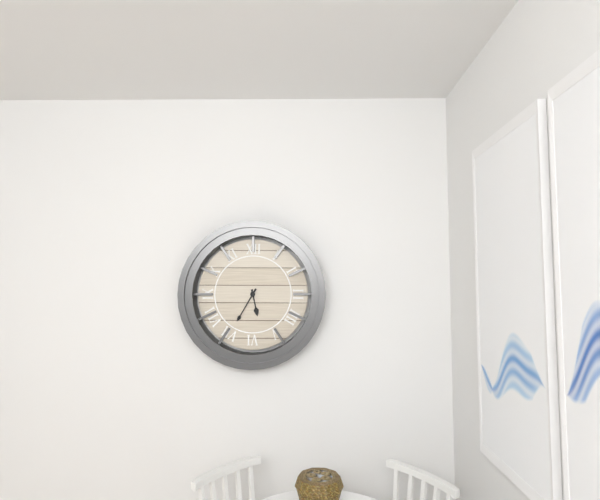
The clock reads 5h35
